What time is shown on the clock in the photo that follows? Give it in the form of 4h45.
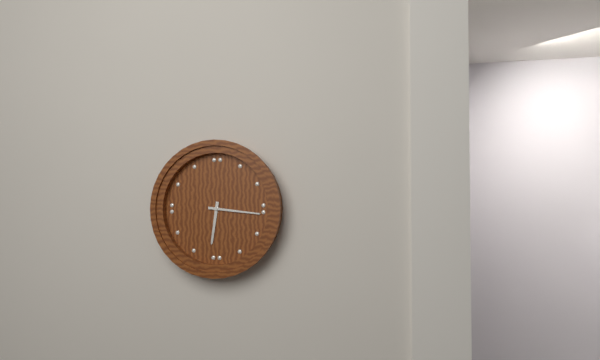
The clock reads 6h16
